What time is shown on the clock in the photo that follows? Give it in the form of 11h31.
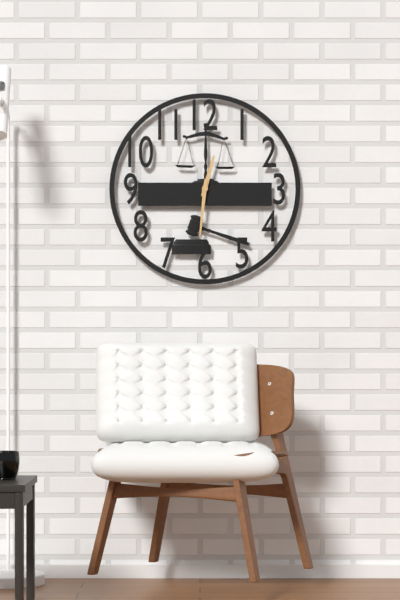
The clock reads 12h31
